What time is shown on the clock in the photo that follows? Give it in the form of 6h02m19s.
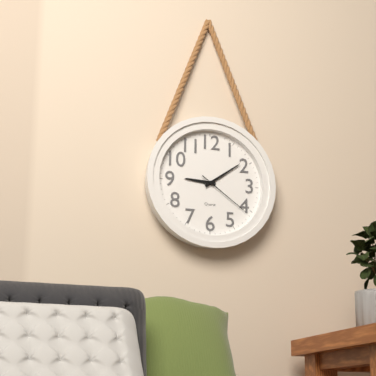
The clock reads 9h09m21s
